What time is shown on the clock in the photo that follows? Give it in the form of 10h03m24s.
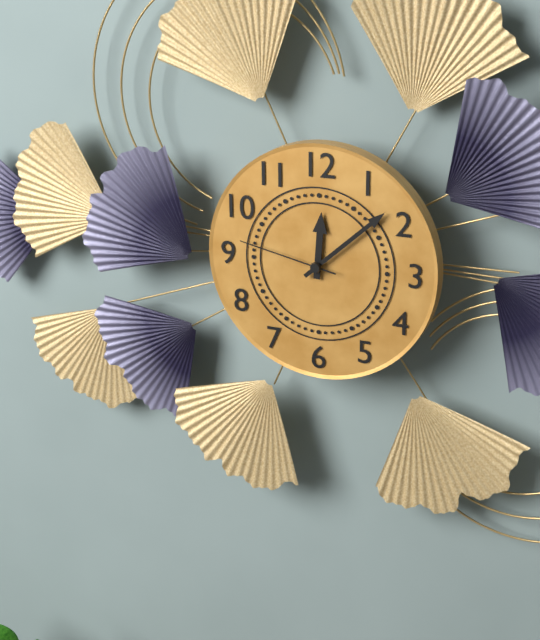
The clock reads 12h08m47s
